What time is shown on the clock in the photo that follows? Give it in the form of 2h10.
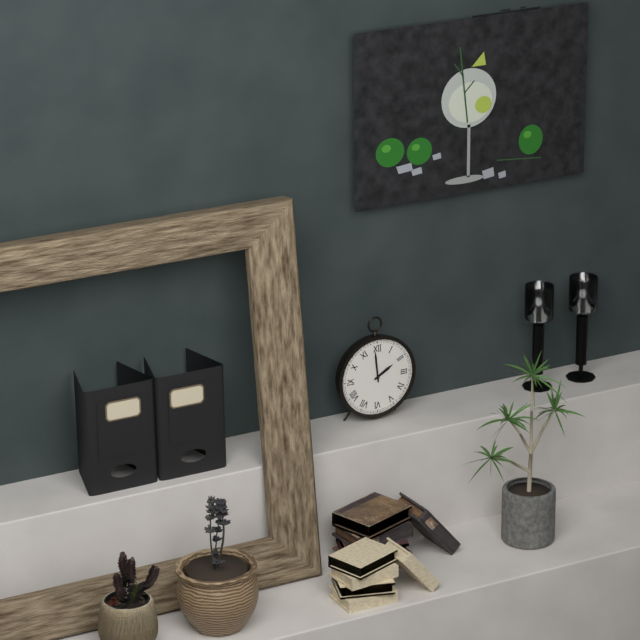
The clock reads 1h59
